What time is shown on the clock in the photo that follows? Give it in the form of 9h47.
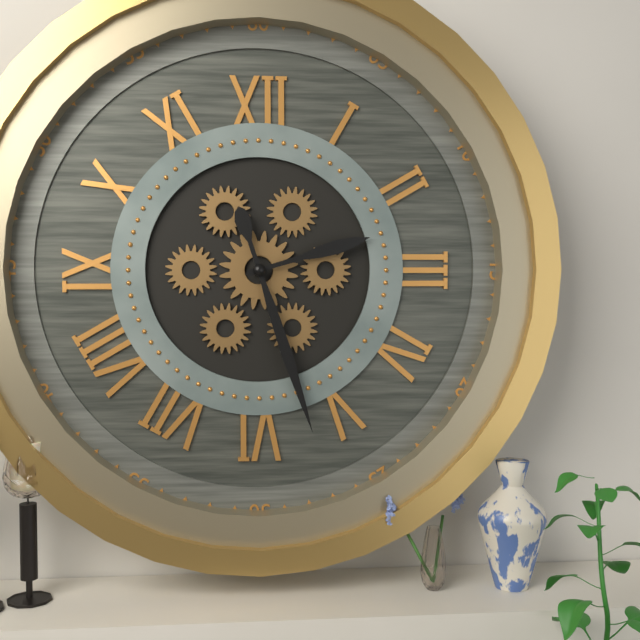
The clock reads 2h27
